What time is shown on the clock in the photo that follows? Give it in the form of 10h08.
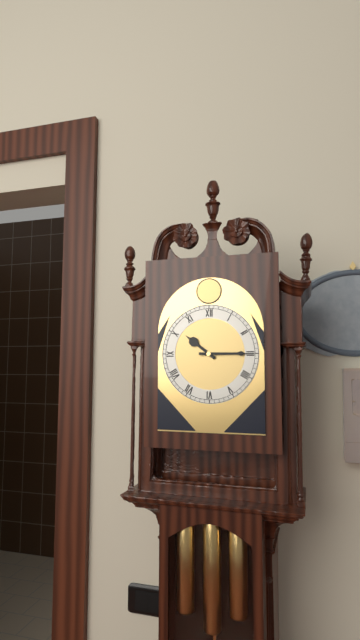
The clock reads 10h15
